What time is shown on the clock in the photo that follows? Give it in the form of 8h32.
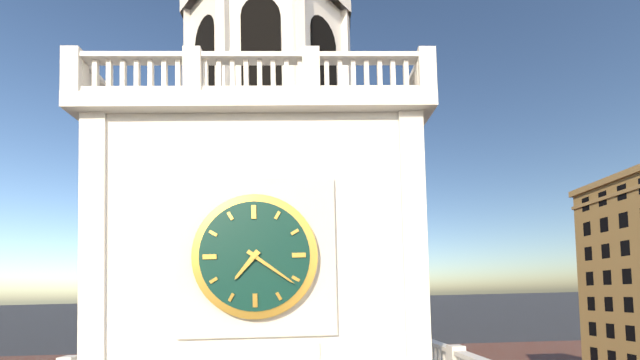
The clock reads 7h21
